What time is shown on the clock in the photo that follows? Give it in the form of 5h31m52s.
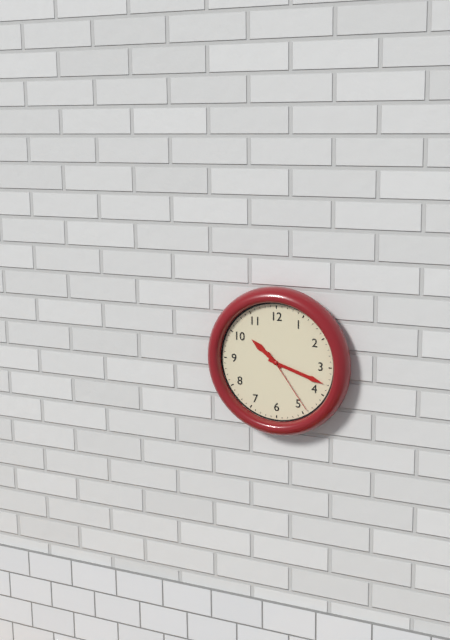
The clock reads 10h18m24s
